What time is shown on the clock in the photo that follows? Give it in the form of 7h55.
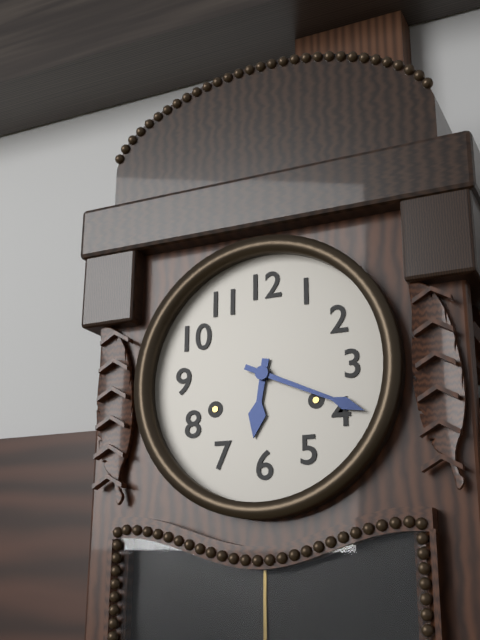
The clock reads 6h19
